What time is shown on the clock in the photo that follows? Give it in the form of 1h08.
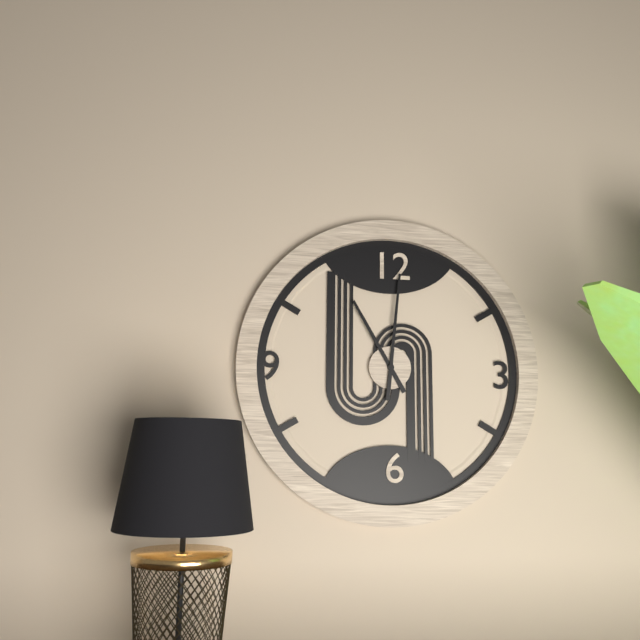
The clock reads 11h01
